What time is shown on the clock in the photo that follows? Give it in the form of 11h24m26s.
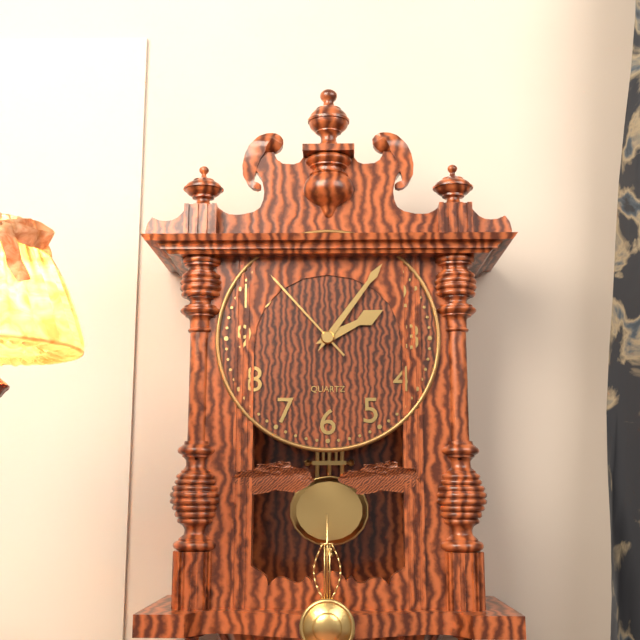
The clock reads 2h06m53s
